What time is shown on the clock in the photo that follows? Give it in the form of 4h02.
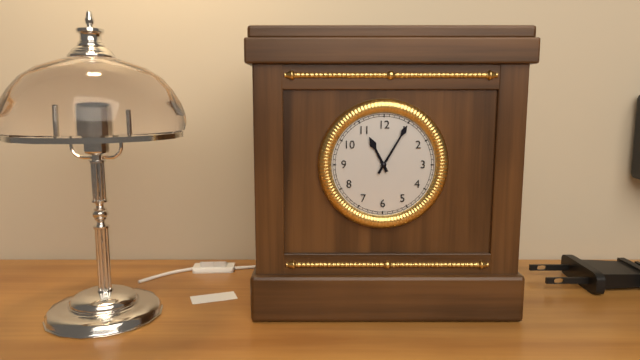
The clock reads 11h05
